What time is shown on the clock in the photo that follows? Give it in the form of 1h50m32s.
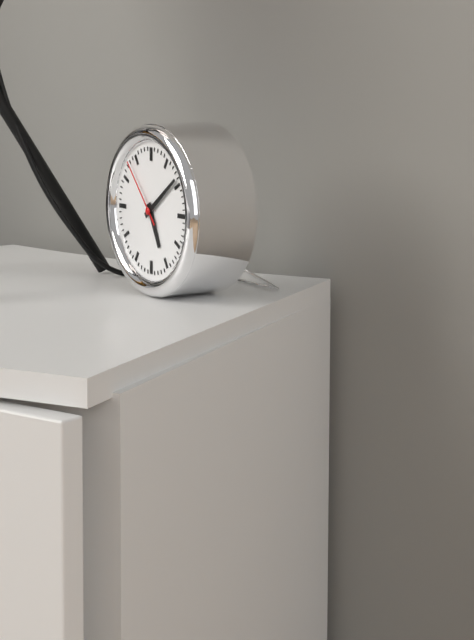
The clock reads 5h09m53s
